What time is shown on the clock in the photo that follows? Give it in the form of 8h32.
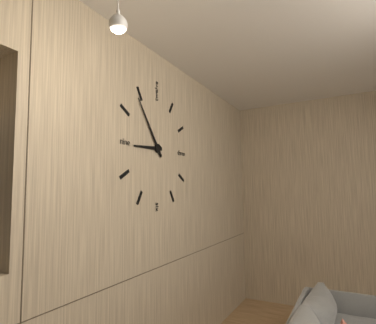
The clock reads 8h54
